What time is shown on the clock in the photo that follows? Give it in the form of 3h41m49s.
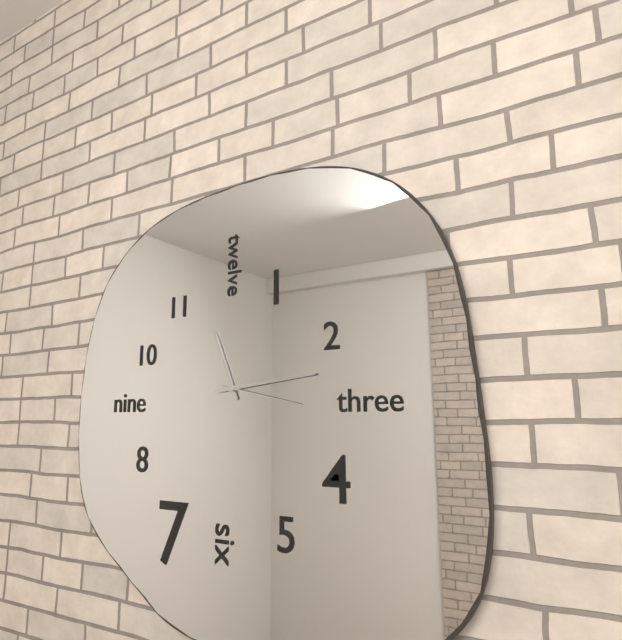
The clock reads 11h14m17s
